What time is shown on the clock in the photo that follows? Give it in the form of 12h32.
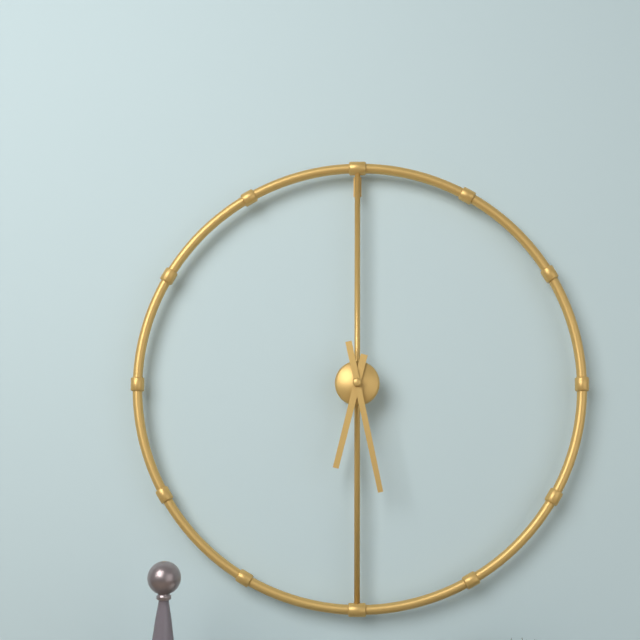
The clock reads 6h28
